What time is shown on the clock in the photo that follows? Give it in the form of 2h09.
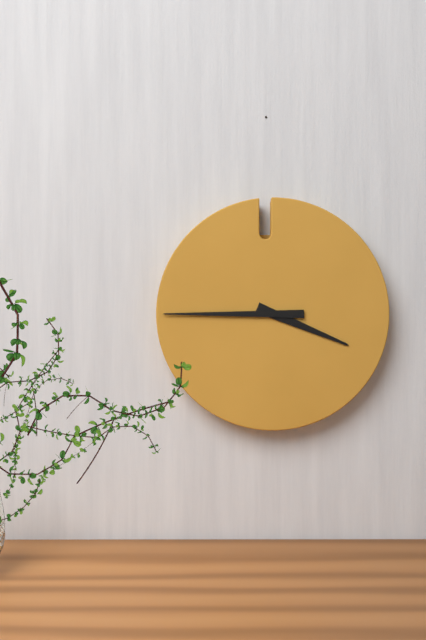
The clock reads 3h45
